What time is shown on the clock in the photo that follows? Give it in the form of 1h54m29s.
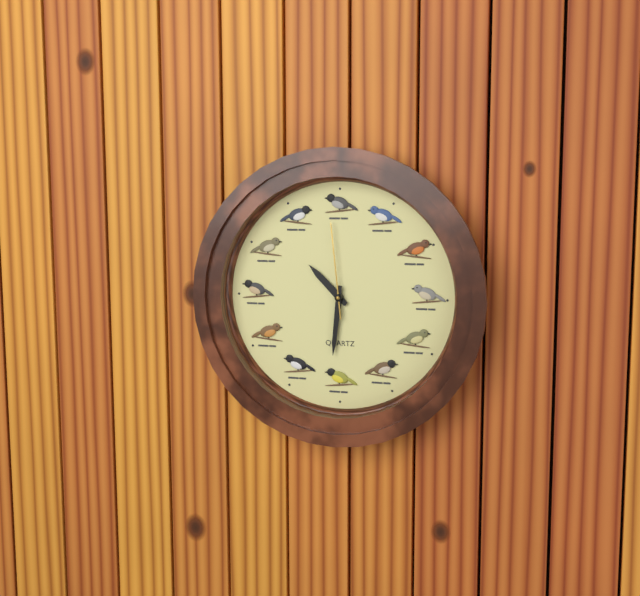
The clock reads 10h31m59s
